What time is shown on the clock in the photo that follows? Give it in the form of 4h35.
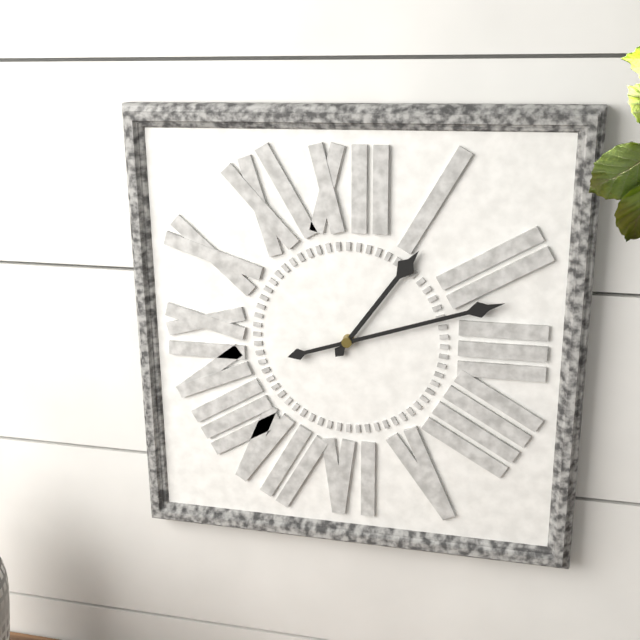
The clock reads 1h12
